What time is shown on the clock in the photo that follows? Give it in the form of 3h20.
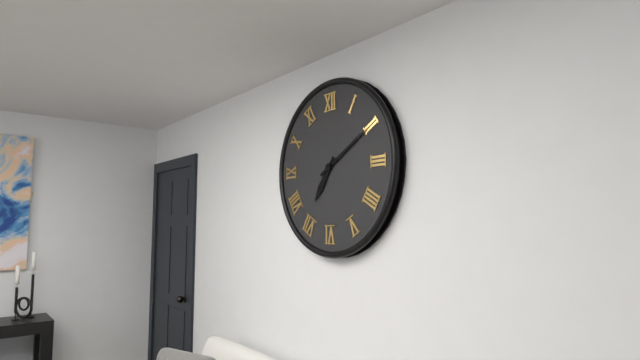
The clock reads 7h10
